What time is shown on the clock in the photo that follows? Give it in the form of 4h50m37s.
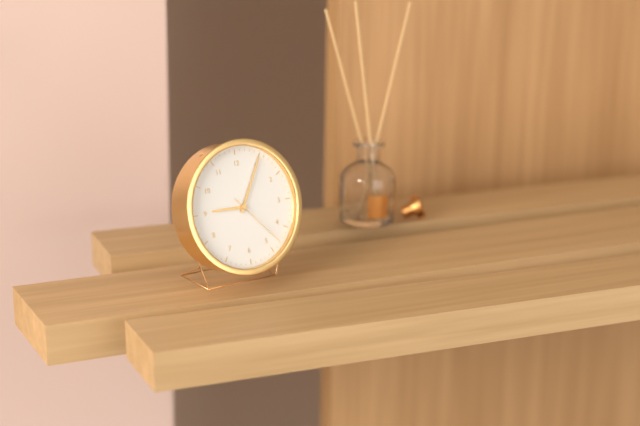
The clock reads 9h05m23s
